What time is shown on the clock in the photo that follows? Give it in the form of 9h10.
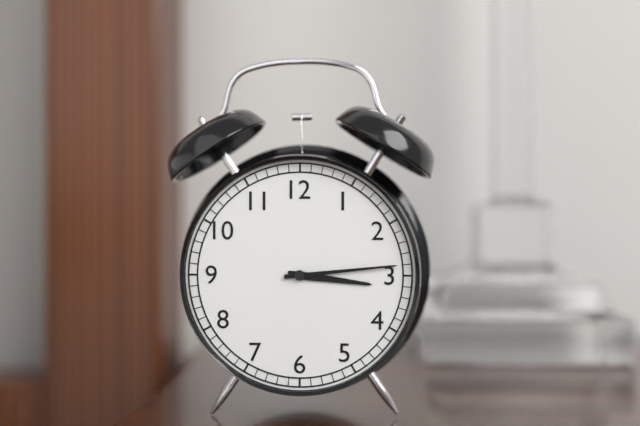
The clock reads 3h14
